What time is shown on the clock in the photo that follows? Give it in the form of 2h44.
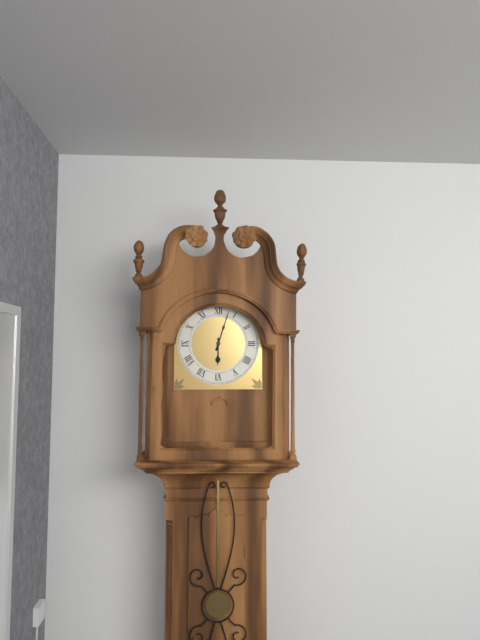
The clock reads 6h03
